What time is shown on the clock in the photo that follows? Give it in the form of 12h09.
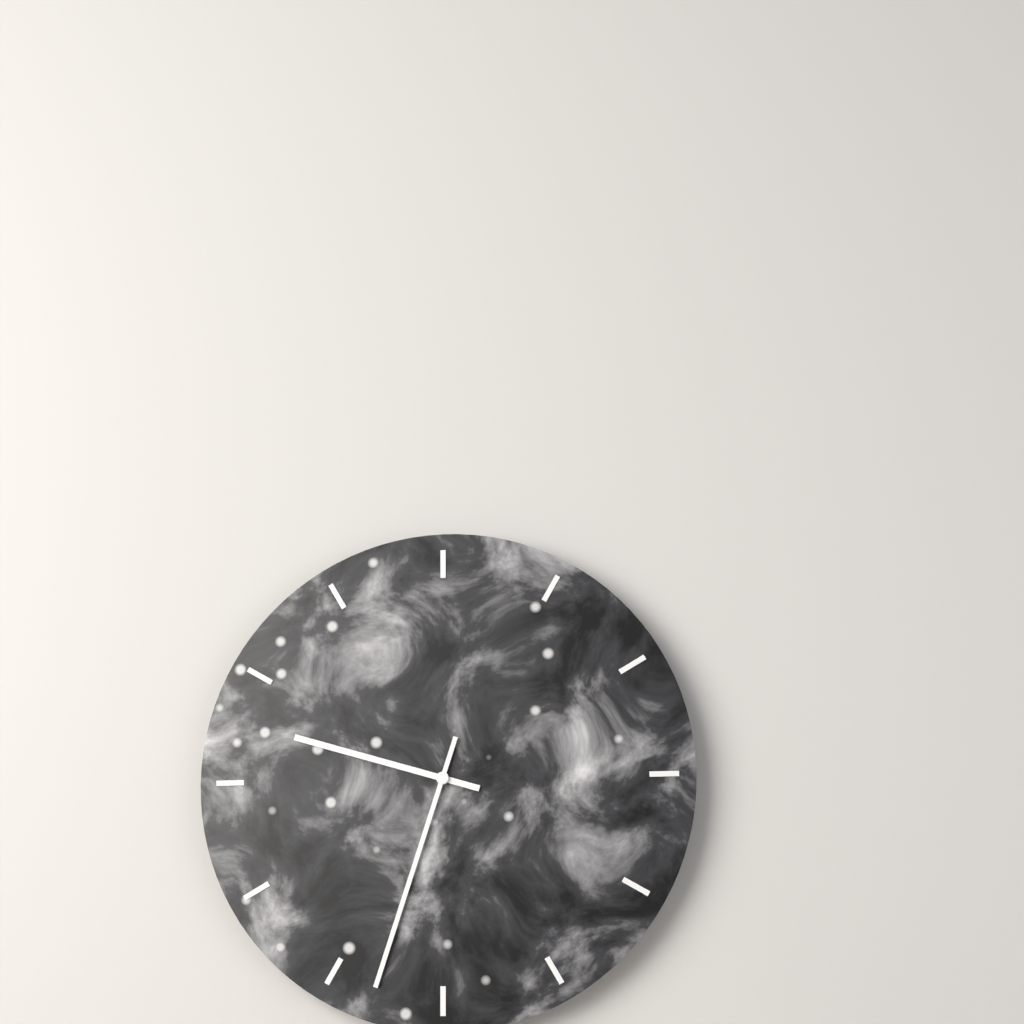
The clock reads 9h33
